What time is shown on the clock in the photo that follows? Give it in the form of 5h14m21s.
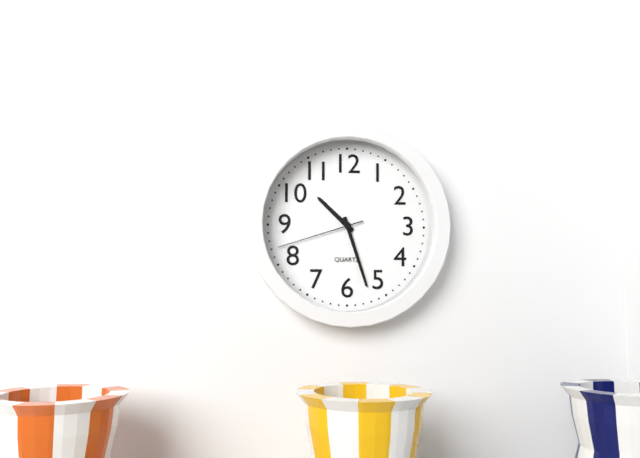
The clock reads 10h27m42s
